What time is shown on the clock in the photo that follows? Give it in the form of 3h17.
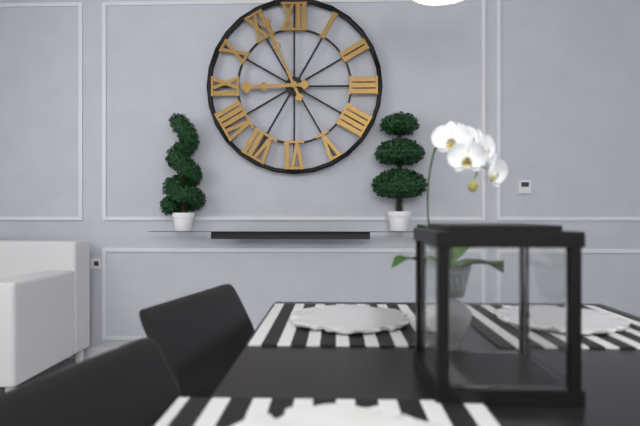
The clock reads 8h56
